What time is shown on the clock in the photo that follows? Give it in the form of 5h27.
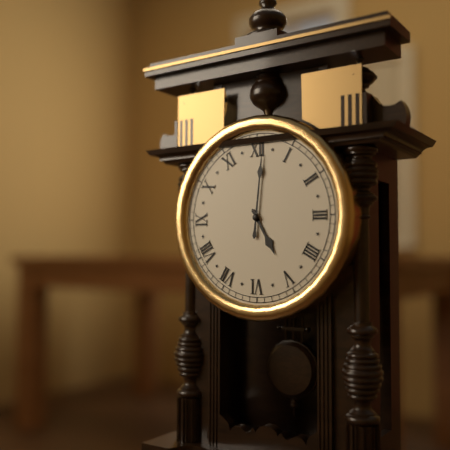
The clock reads 5h01
